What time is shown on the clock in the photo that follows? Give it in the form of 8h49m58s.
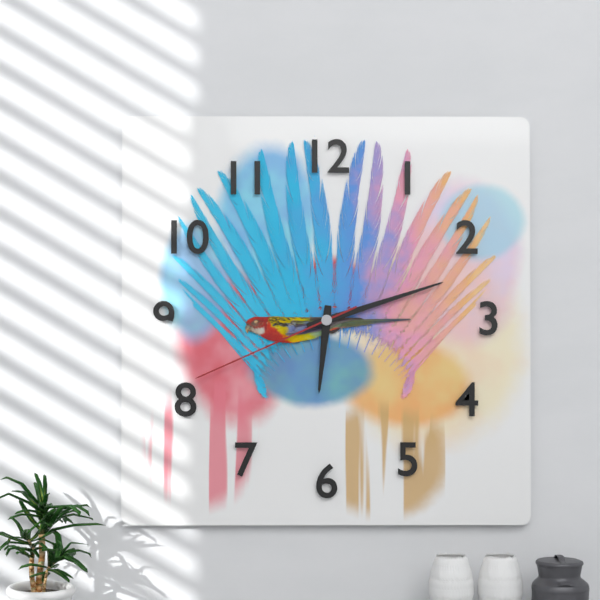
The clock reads 6h12m41s
